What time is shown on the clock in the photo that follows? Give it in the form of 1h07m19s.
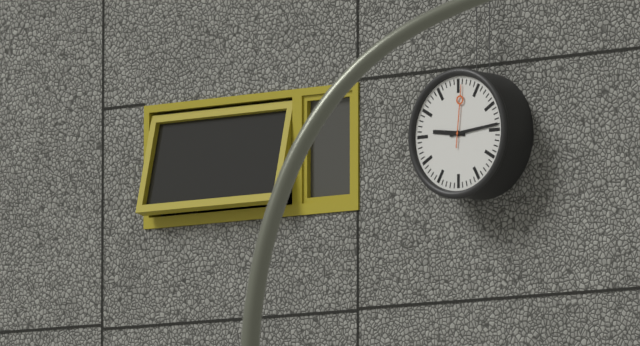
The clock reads 9h14m01s
